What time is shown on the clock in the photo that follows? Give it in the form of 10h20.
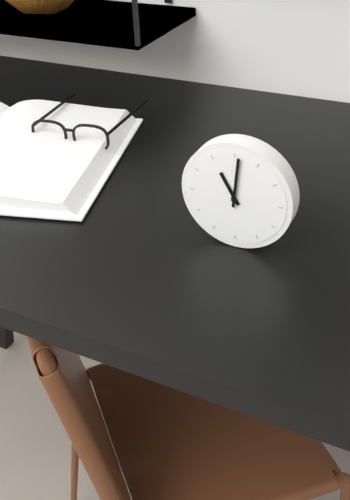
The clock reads 11h01
